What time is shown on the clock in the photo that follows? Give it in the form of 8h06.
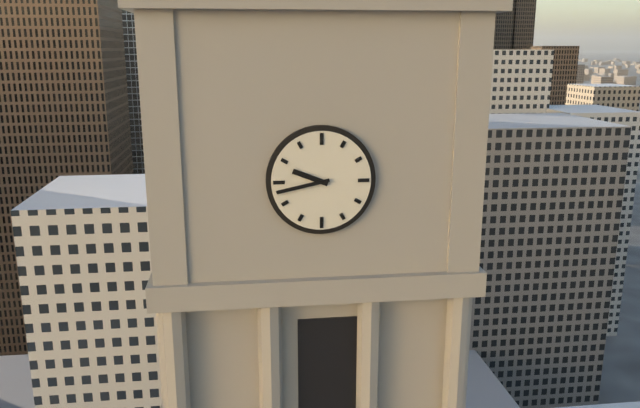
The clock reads 9h43
